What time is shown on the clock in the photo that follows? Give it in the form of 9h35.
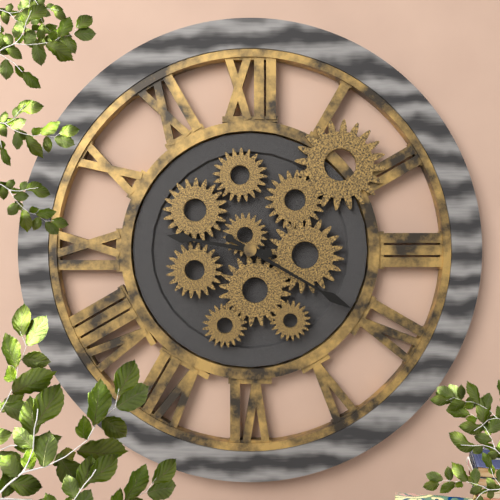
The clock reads 9h20
